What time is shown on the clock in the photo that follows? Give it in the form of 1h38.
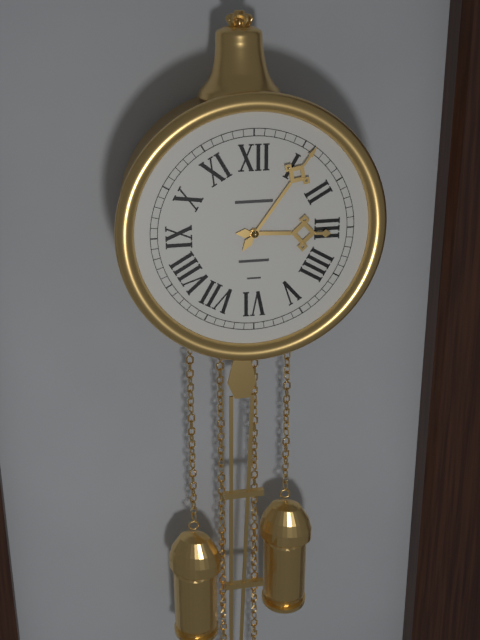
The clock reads 3h06
